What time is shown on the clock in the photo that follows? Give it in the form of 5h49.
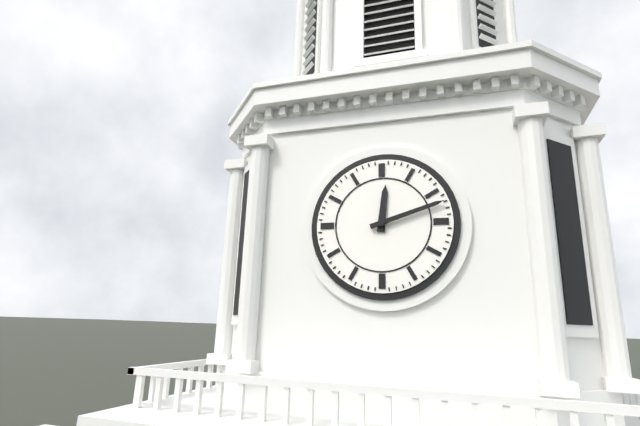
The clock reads 12h12
